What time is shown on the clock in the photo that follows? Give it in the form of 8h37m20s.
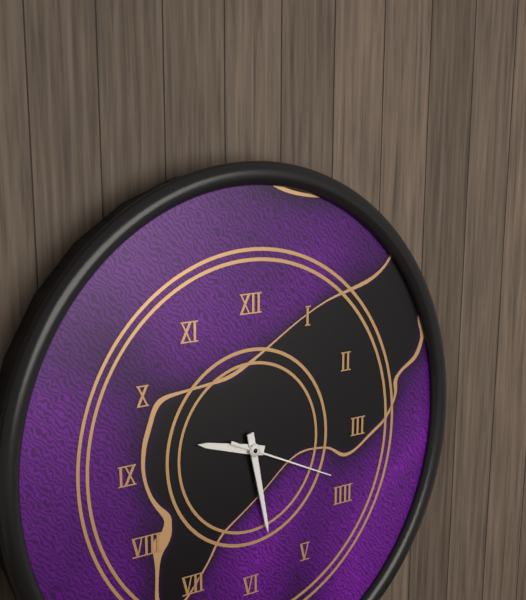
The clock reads 9h28m19s
